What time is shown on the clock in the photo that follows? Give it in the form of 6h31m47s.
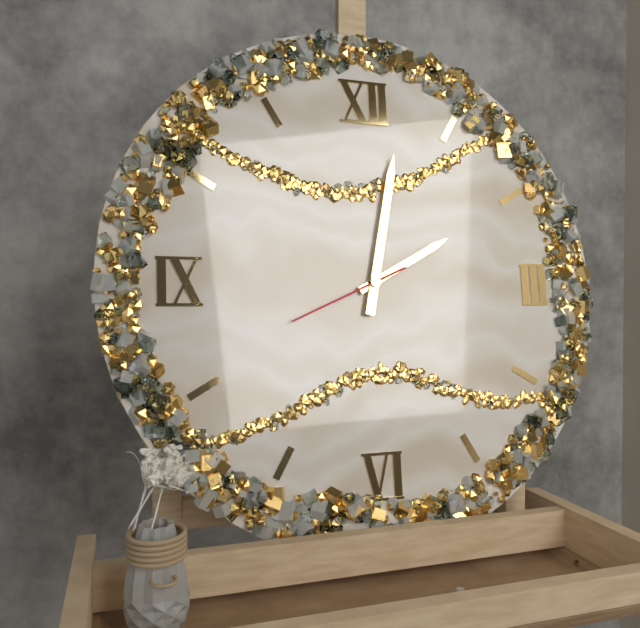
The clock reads 2h02m41s
